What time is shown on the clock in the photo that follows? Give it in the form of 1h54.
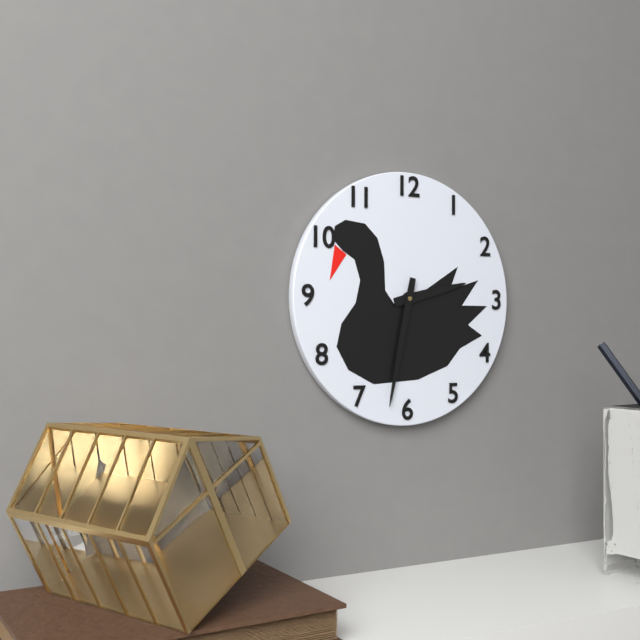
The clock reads 2h32
